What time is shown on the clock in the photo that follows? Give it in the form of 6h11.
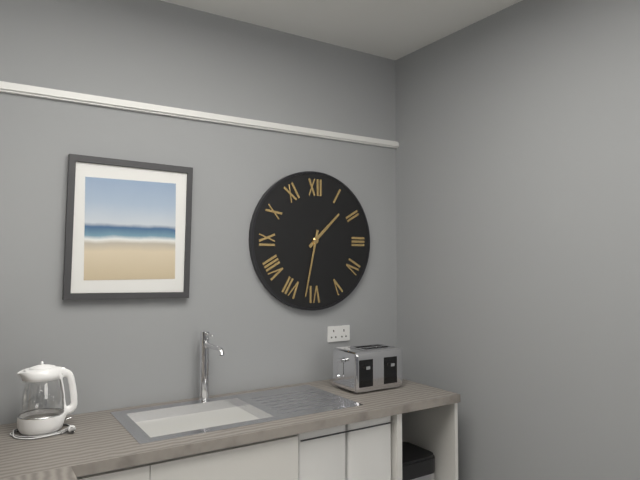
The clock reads 1h32
